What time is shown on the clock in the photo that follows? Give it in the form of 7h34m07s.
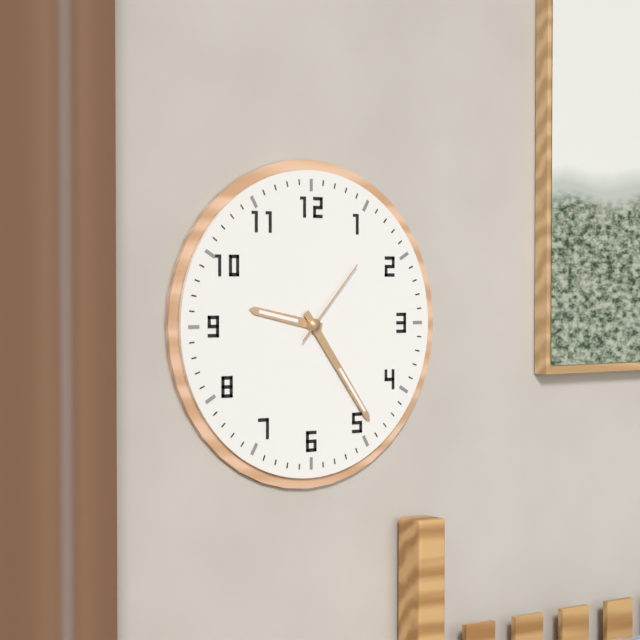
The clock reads 9h24m07s
